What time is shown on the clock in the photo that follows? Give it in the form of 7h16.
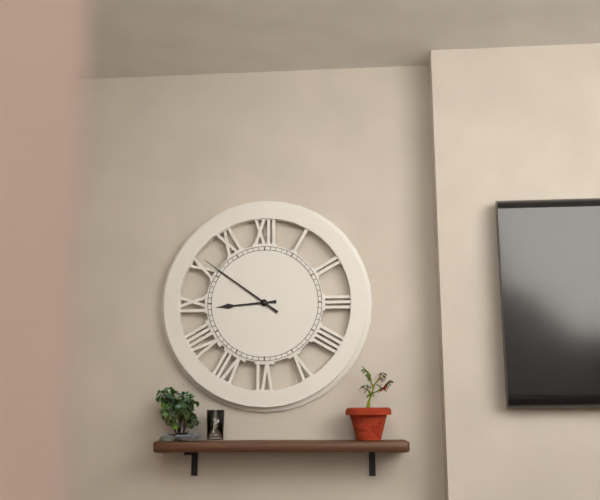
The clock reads 8h51
